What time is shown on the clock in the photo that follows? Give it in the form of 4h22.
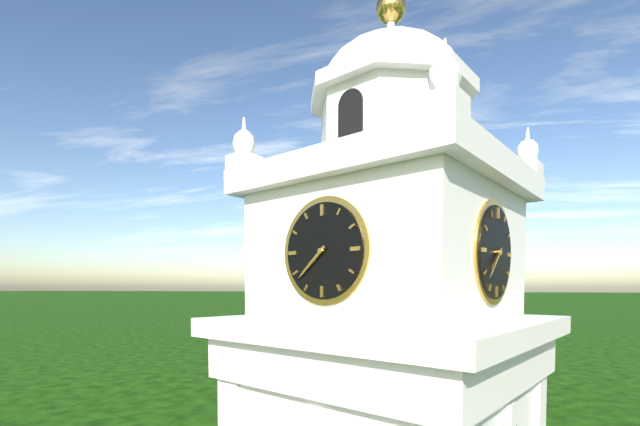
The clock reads 7h38
